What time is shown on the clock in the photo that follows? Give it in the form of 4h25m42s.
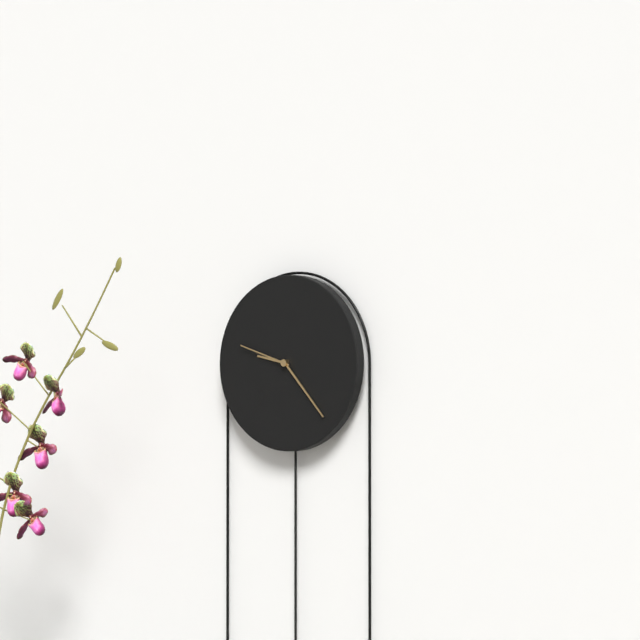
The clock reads 9h23m48s
